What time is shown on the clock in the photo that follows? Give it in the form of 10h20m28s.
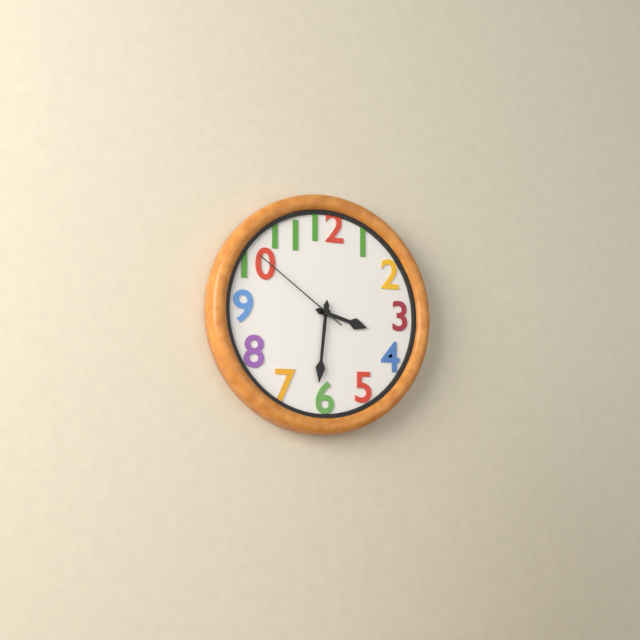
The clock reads 3h31m51s
